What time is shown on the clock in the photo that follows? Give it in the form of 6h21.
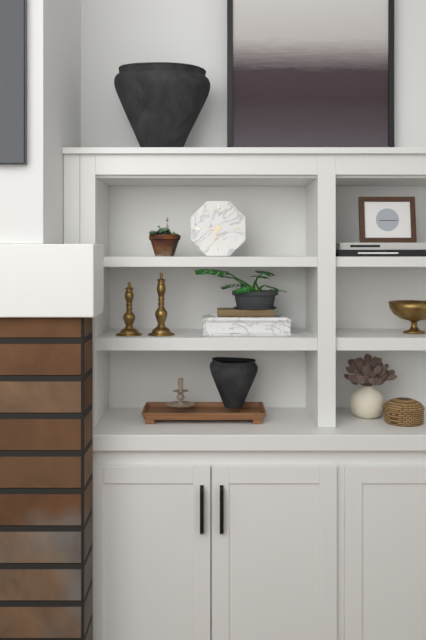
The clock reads 8h33
